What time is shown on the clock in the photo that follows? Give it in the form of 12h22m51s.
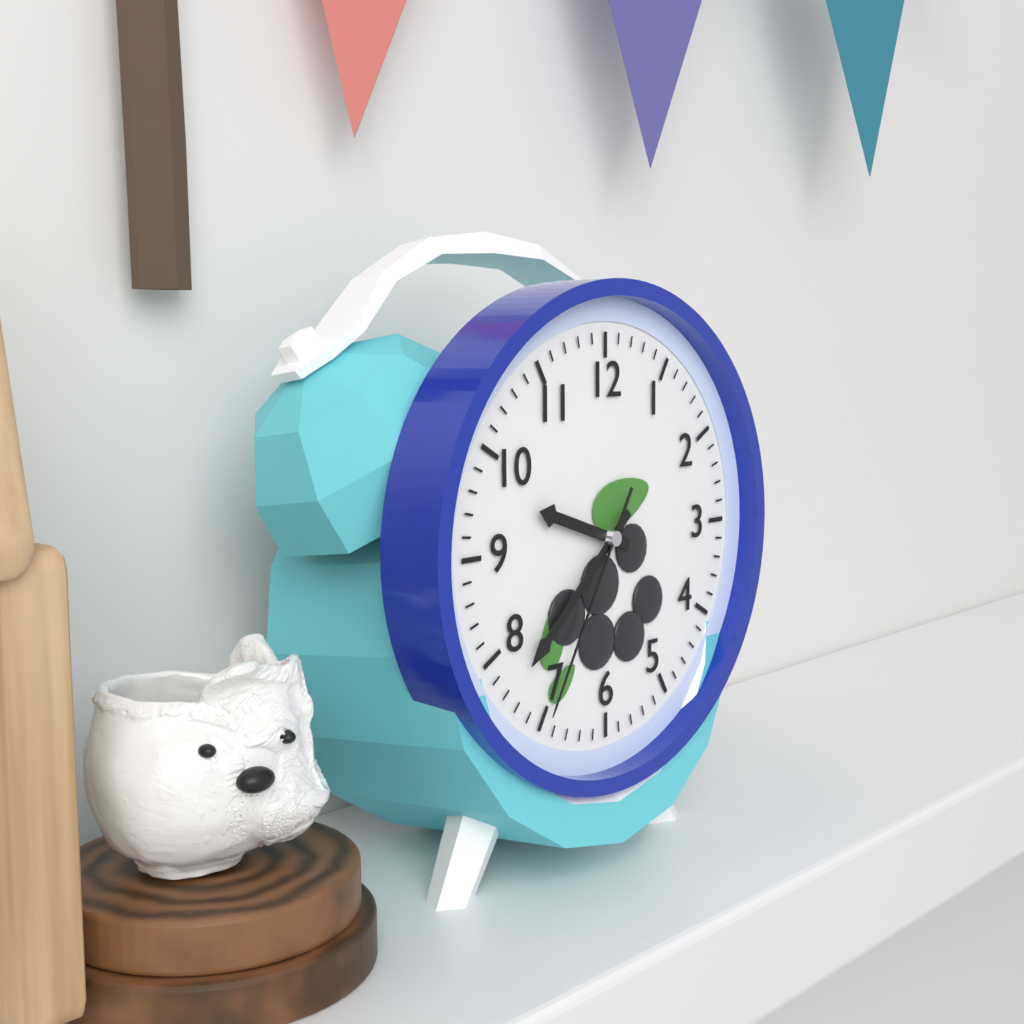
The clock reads 9h38m35s
